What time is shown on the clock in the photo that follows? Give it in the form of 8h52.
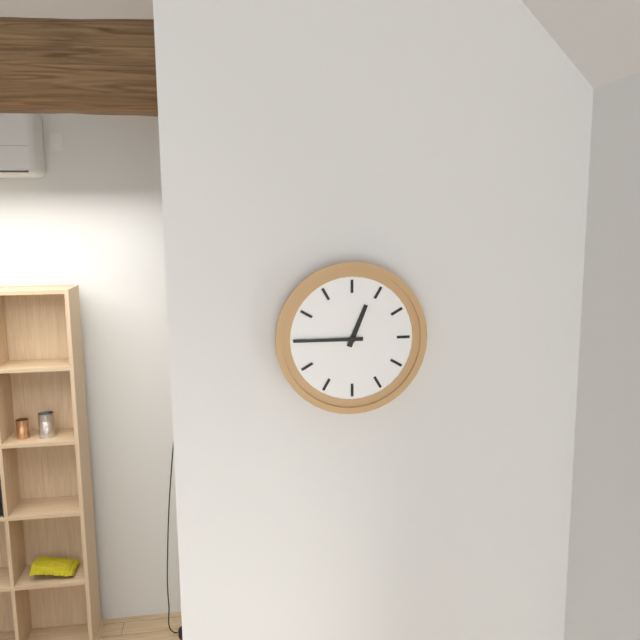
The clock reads 12h45
